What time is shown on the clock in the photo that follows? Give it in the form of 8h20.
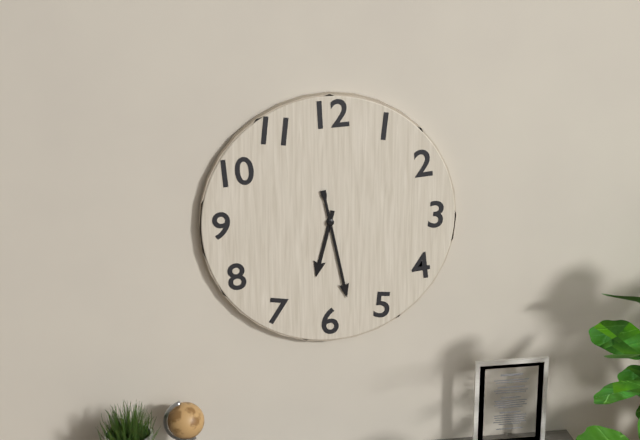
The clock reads 6h28
